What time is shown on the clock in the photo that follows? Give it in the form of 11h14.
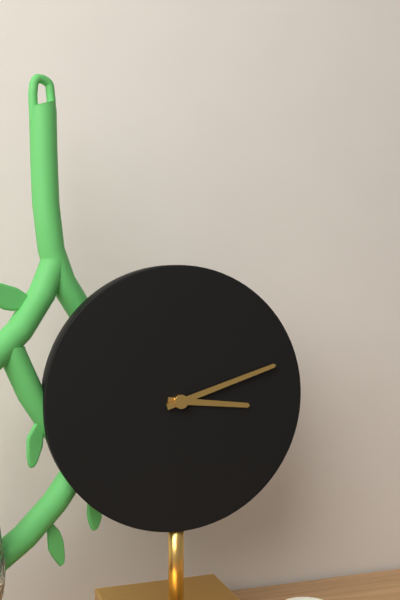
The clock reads 3h12
